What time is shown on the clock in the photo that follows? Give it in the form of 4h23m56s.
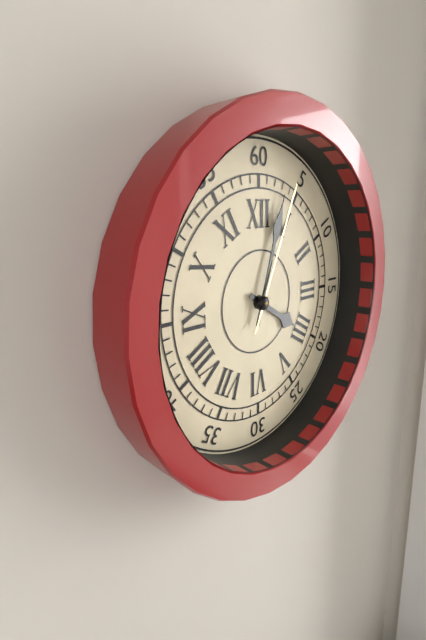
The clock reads 4h03m04s
